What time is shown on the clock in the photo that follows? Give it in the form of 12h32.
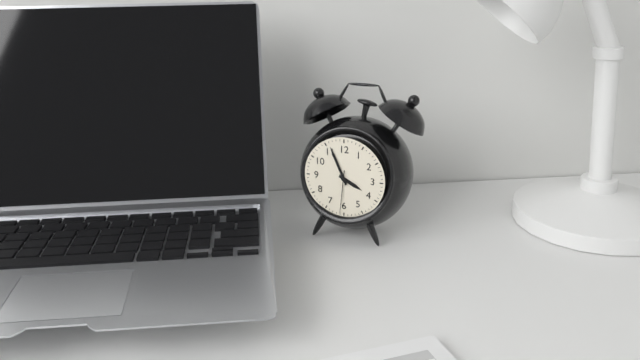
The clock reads 3h56
